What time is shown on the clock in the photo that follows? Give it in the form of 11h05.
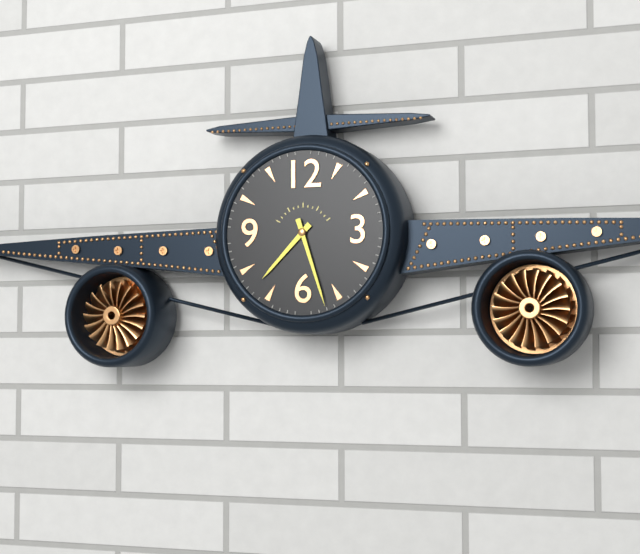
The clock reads 7h27
